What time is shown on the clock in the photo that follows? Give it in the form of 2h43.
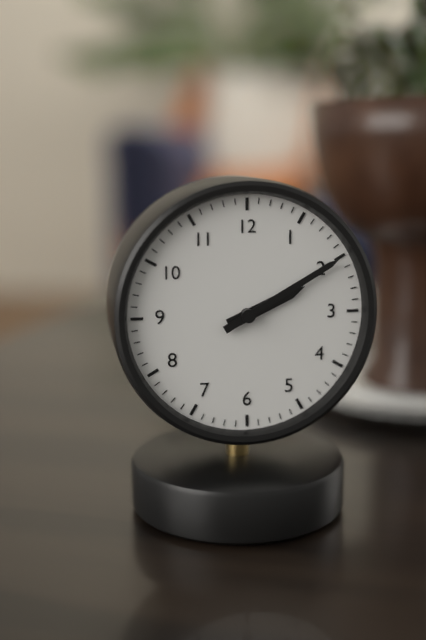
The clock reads 2h10
